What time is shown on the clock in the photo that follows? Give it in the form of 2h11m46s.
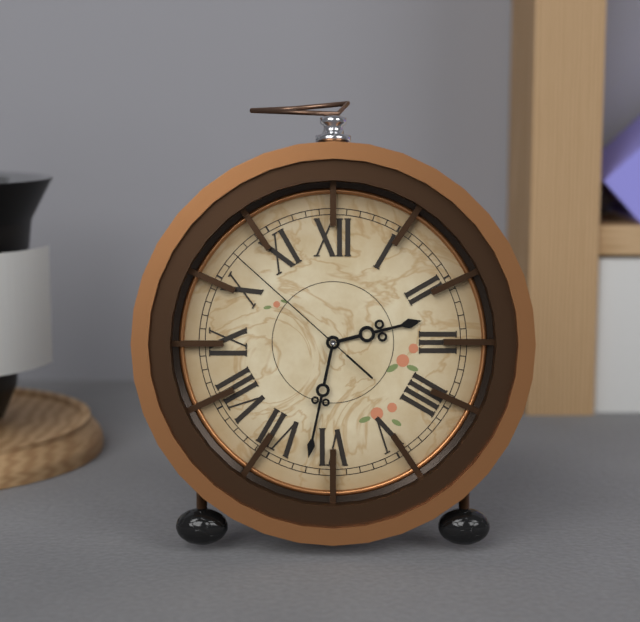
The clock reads 2h32m52s
